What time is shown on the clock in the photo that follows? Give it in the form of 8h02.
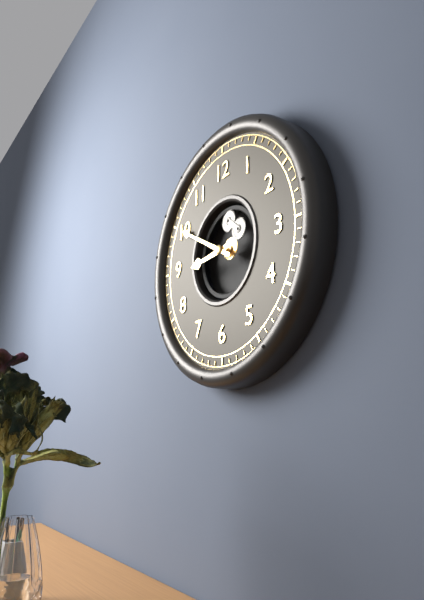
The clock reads 8h50
